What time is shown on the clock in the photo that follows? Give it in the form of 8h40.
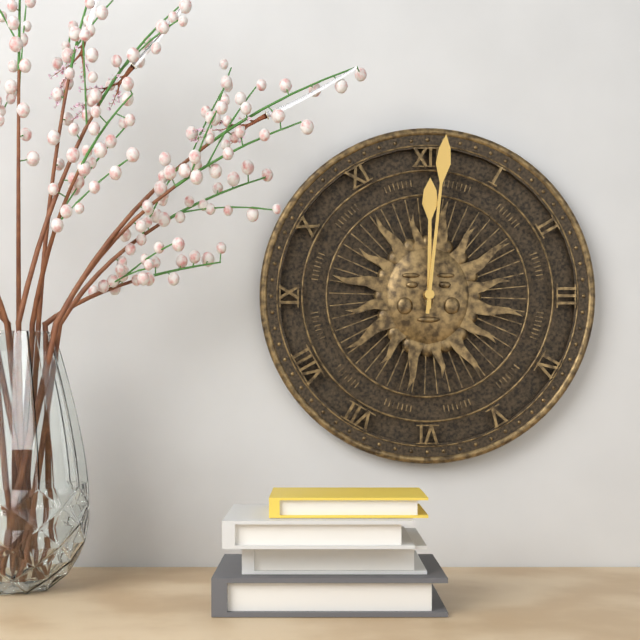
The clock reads 12h01
